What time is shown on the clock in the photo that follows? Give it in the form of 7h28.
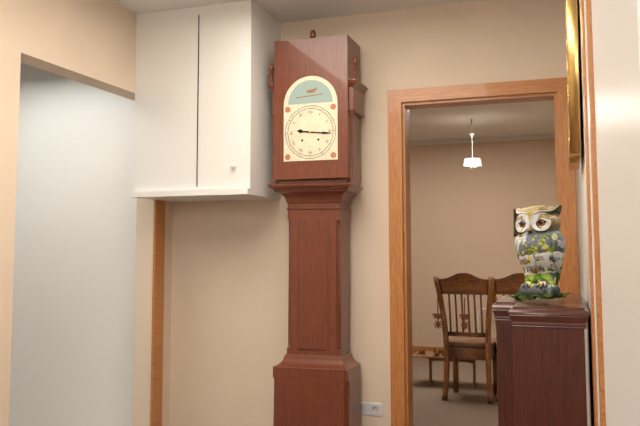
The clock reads 9h16
